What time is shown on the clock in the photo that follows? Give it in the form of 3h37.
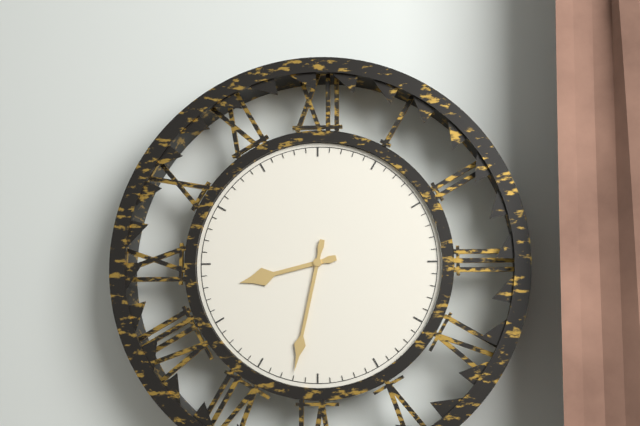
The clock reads 8h32
